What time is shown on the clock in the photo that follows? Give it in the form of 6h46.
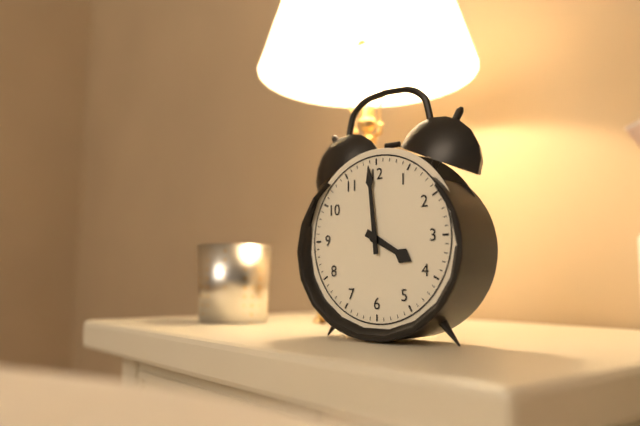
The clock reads 3h59
